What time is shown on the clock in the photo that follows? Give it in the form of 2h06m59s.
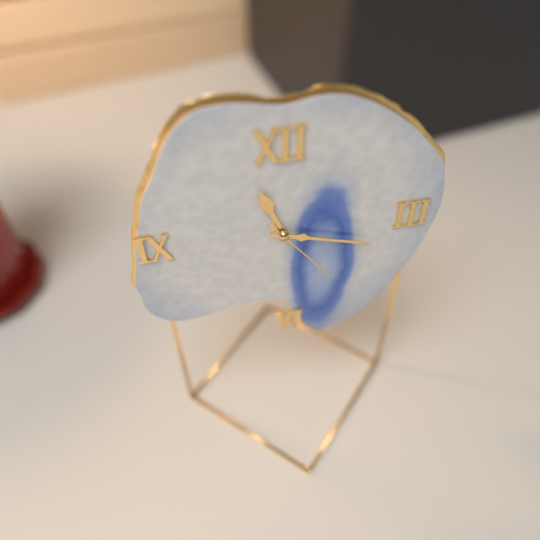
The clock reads 11h18m24s
